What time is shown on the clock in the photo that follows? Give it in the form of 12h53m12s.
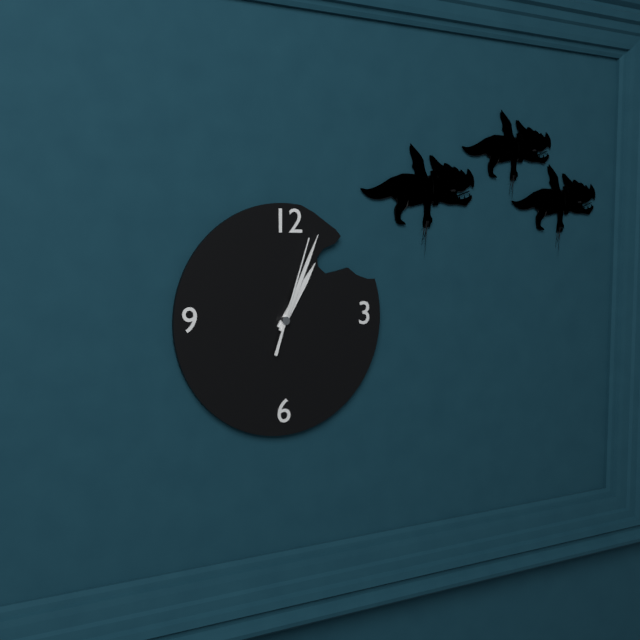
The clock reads 1h04m03s
